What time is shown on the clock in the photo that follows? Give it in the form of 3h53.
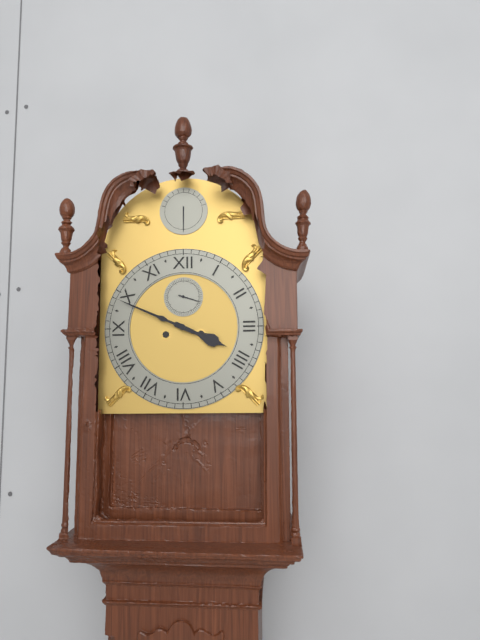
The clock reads 3h49
